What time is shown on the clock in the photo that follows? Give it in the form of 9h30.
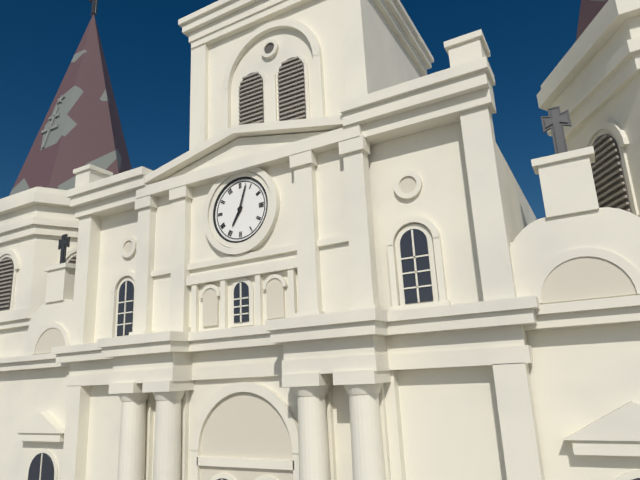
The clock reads 7h03
